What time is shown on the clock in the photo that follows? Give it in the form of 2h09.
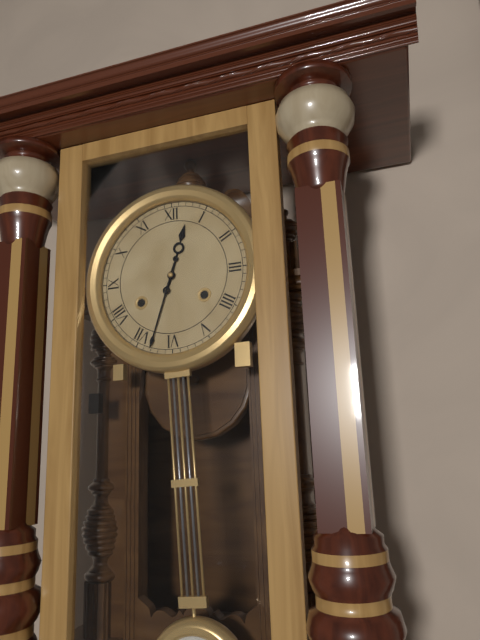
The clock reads 12h33
